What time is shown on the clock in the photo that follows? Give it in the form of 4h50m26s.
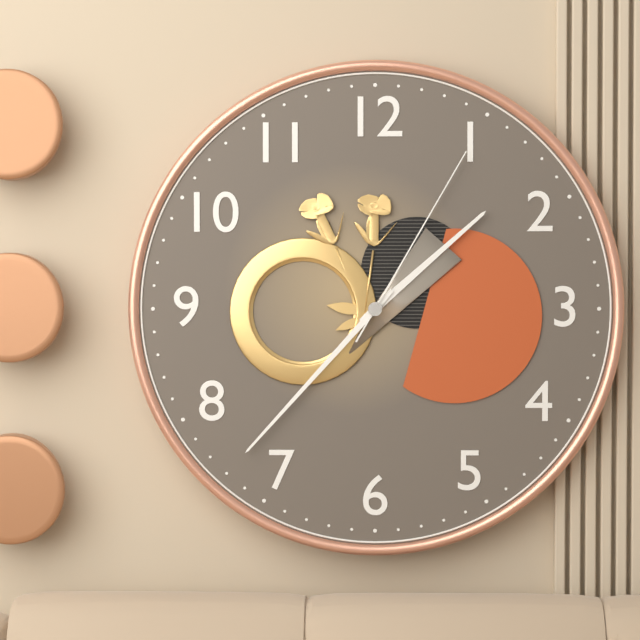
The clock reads 1h37m05s
